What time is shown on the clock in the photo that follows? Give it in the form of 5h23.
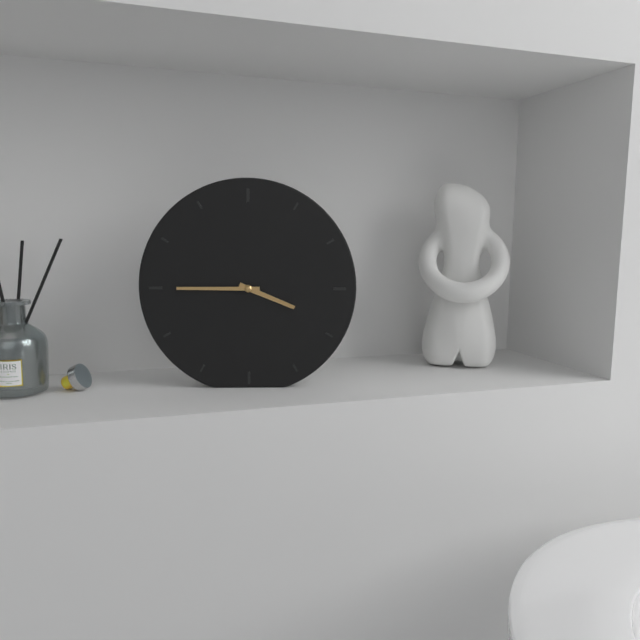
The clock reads 3h45
